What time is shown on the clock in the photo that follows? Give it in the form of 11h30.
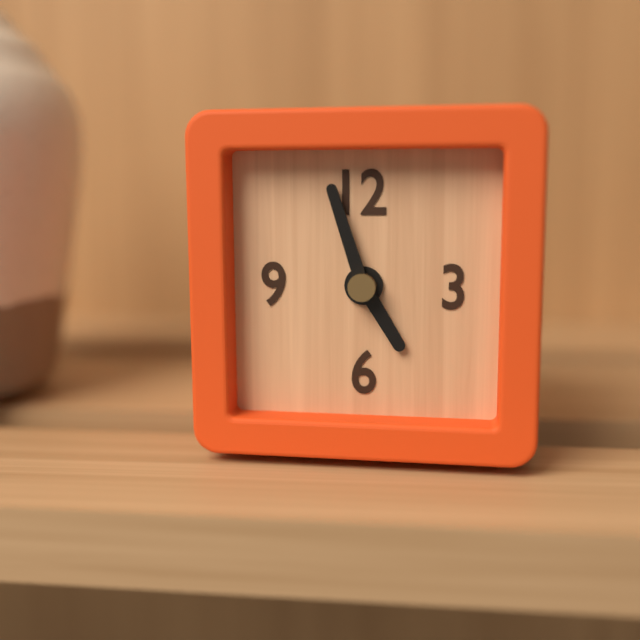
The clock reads 4h57
